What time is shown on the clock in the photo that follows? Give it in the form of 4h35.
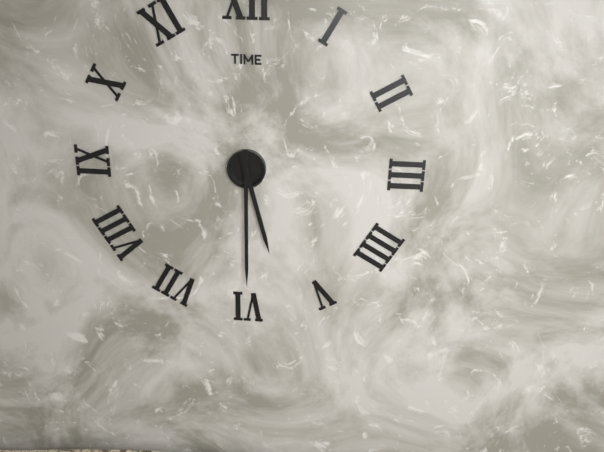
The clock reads 5h30
